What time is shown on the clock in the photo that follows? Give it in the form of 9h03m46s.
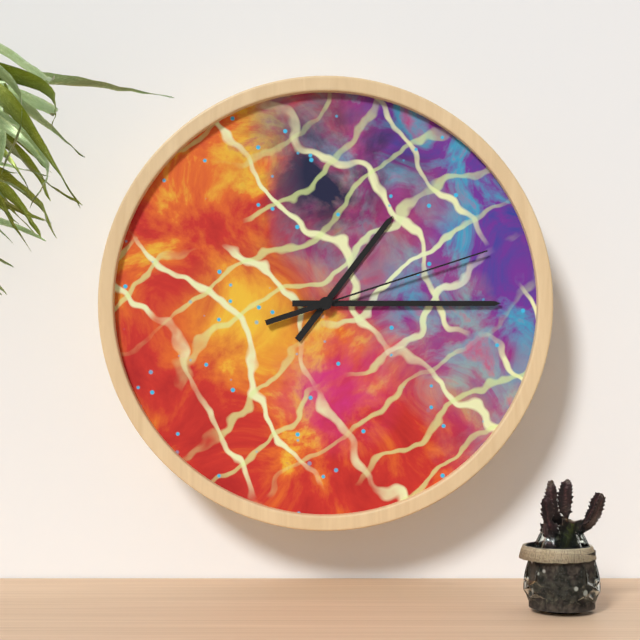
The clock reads 1h15m12s
